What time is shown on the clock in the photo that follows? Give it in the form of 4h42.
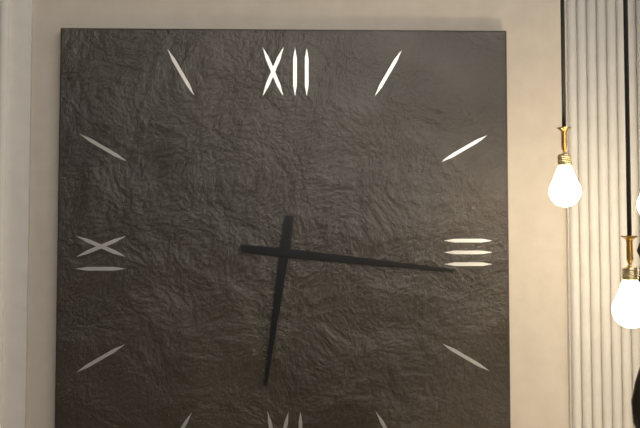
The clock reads 6h16
